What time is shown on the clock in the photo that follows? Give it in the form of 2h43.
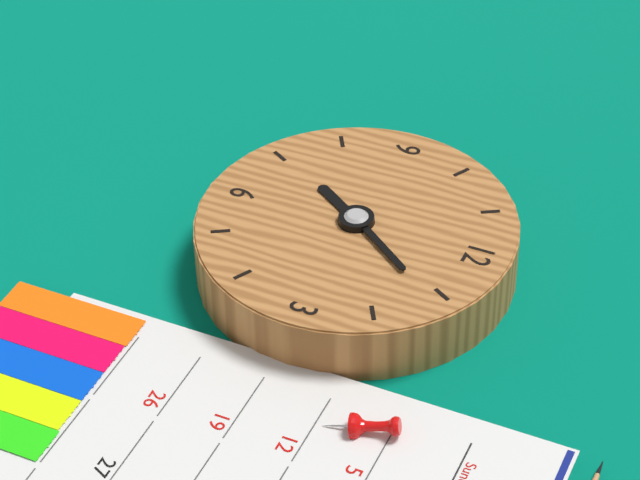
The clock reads 7h06
